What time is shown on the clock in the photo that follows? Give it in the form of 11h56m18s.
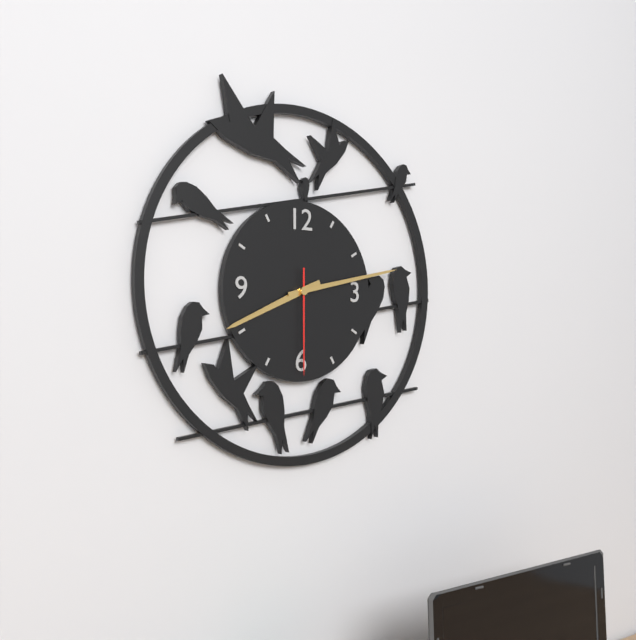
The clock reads 8h13m30s
